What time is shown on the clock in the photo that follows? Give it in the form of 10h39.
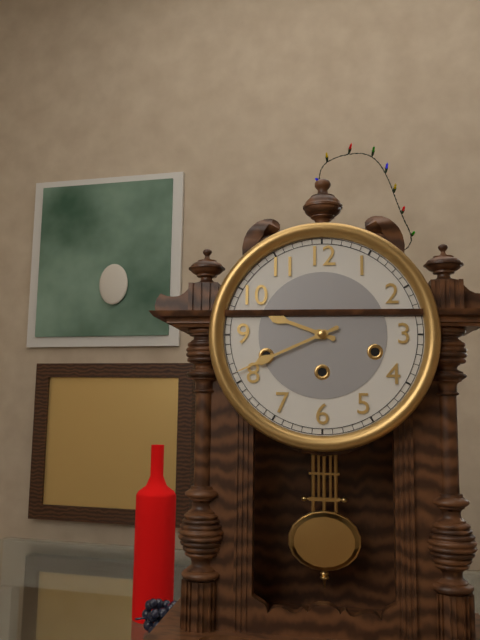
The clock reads 9h41
